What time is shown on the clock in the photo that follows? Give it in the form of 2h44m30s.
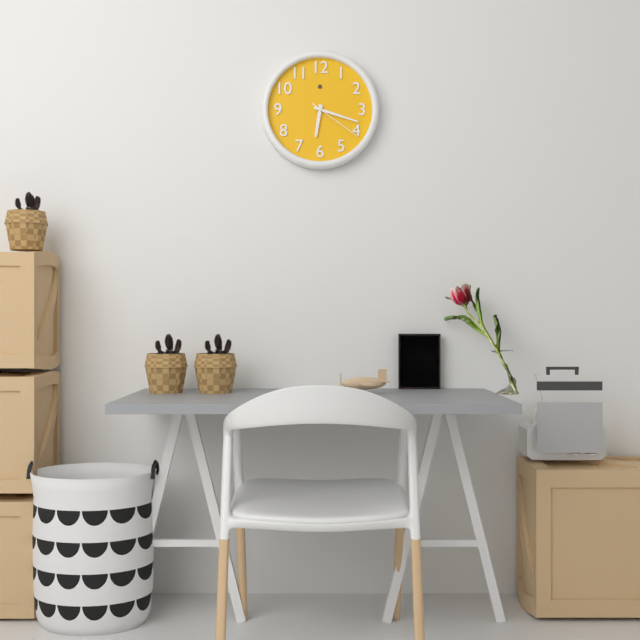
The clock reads 6h18m21s
